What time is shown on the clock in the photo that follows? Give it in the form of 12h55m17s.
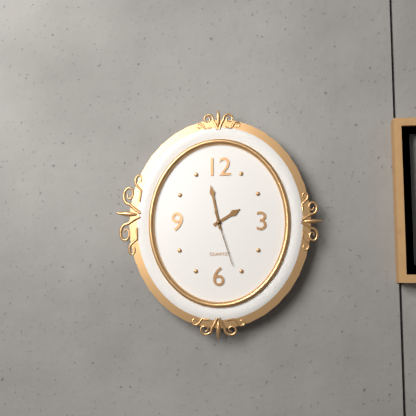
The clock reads 1h58m27s
